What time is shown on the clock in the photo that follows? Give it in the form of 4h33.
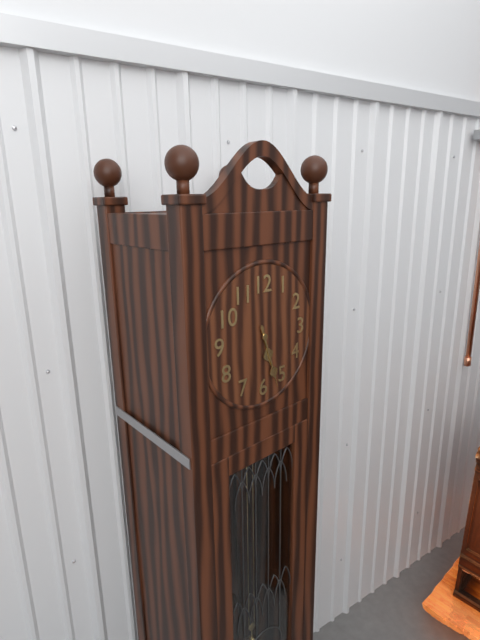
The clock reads 5h27
